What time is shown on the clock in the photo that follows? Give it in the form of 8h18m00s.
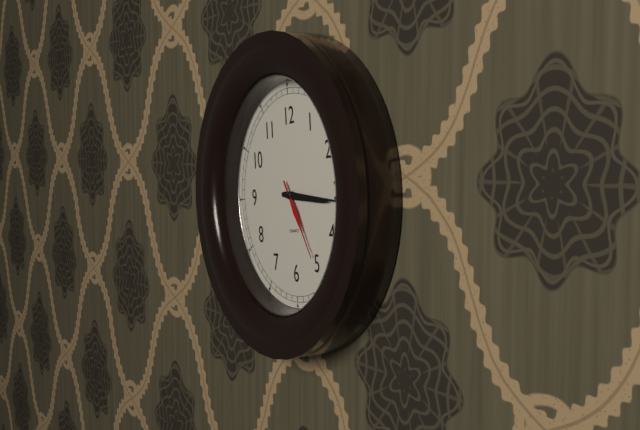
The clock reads 3h16m25s
